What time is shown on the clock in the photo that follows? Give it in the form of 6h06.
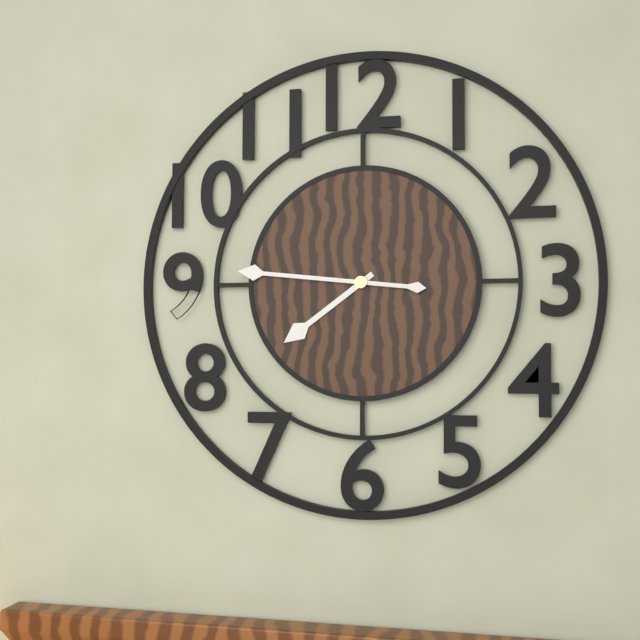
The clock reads 7h46
